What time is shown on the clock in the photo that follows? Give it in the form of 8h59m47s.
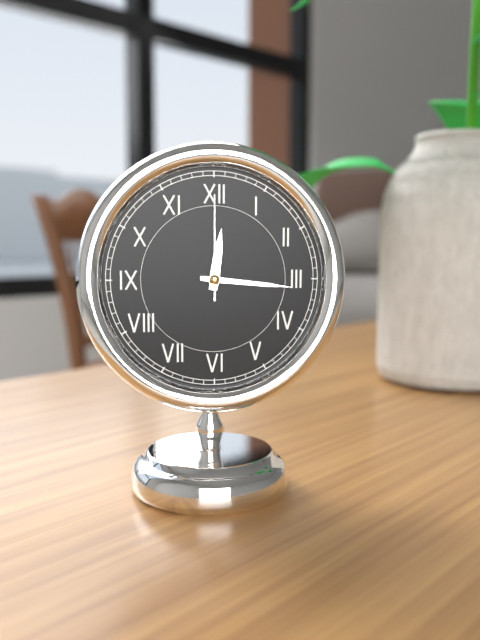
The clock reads 12h16m00s
